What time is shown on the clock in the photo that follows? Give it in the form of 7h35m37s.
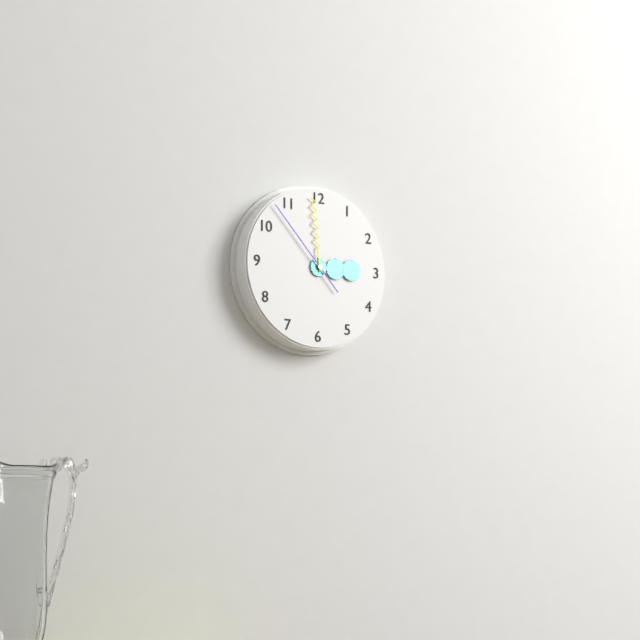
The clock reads 2h59m53s
